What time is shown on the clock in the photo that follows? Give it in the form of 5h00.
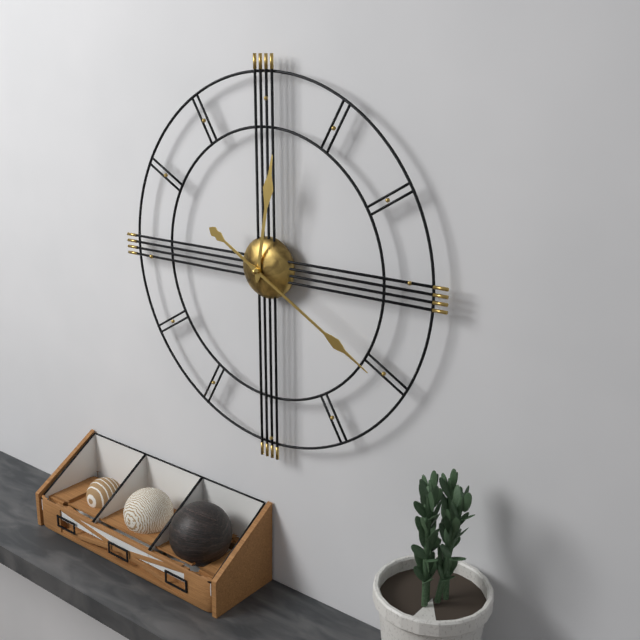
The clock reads 12h20
